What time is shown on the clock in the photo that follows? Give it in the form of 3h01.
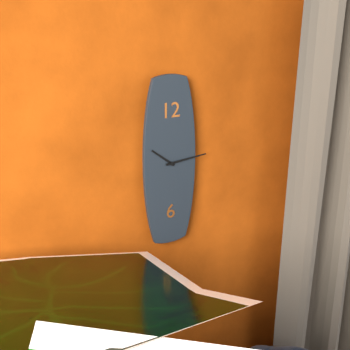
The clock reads 10h14
